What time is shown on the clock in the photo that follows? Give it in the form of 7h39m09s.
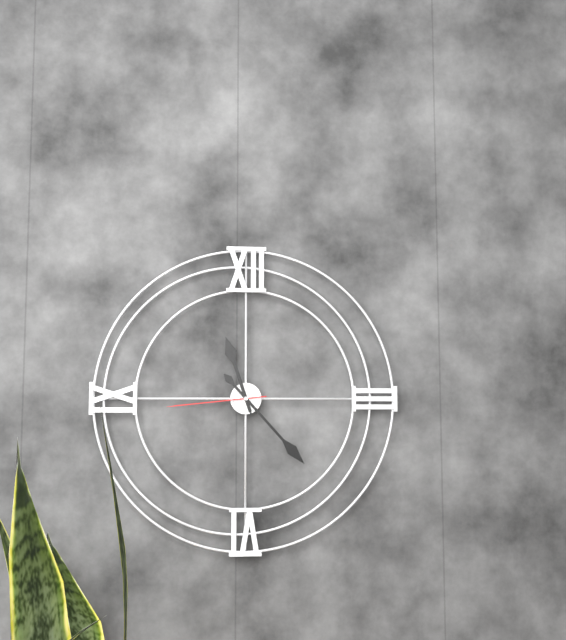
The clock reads 11h23m44s
